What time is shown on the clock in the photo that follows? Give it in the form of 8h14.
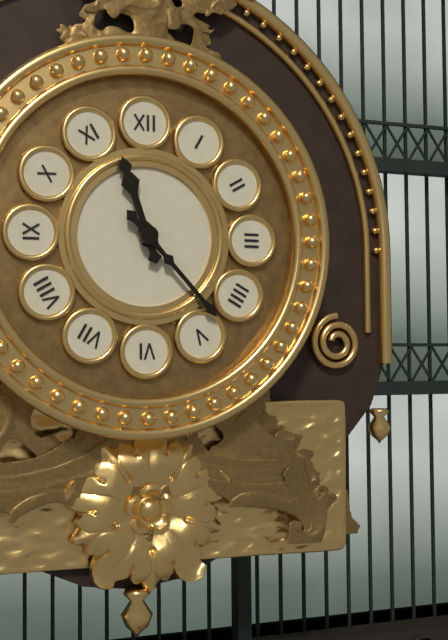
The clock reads 11h23
